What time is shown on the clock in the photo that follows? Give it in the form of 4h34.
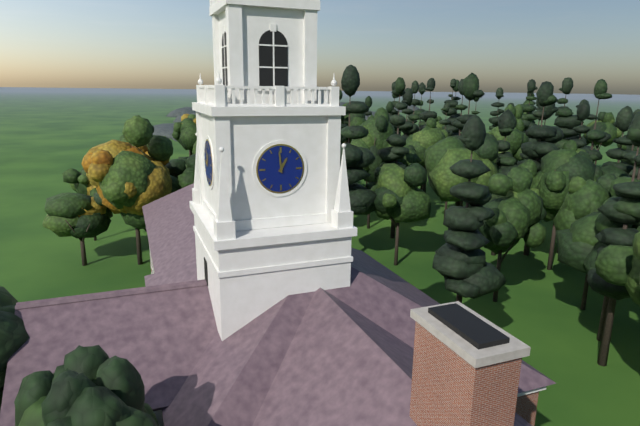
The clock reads 12h59
